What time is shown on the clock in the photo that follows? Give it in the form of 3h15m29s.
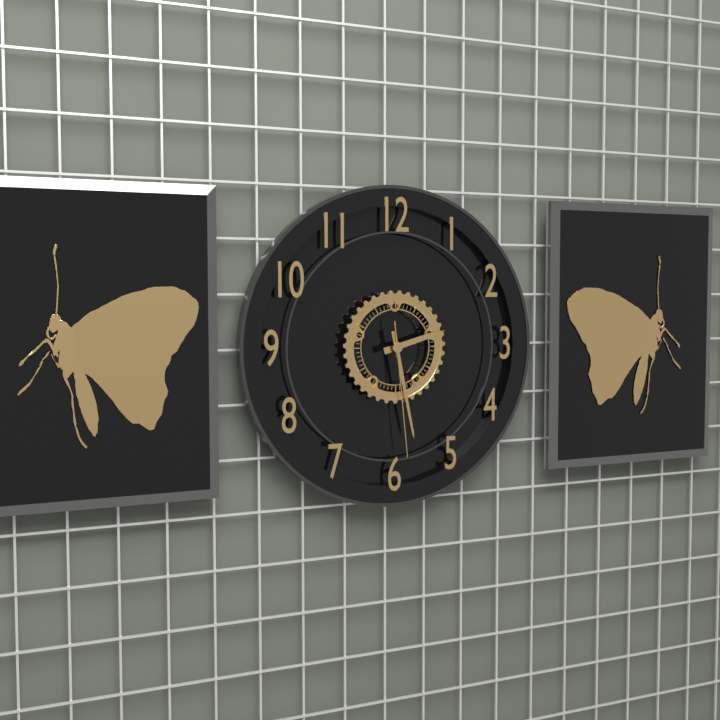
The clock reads 2h28m29s
